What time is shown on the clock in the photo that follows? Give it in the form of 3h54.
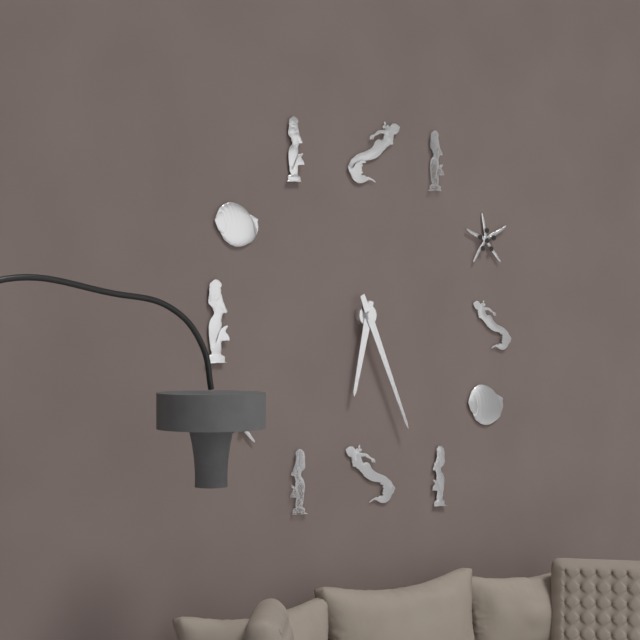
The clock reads 6h26
